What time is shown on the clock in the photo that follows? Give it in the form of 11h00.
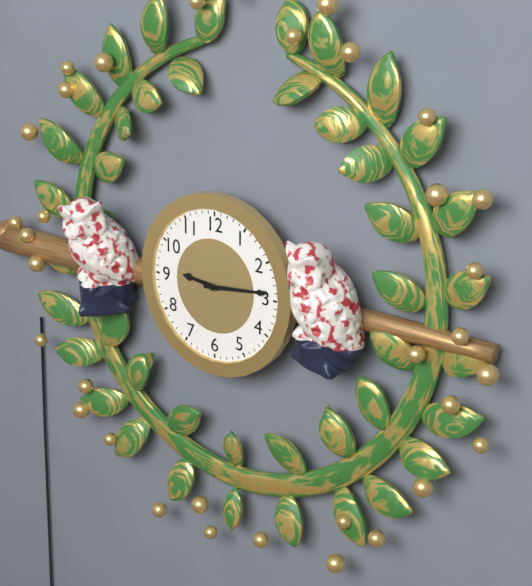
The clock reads 9h14
